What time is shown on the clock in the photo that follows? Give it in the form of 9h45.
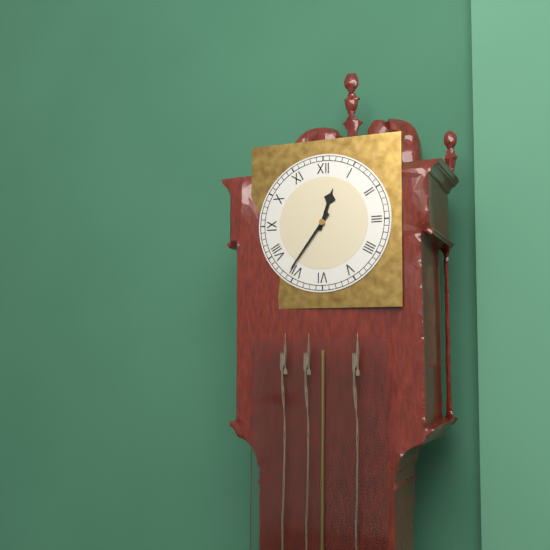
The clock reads 12h36
